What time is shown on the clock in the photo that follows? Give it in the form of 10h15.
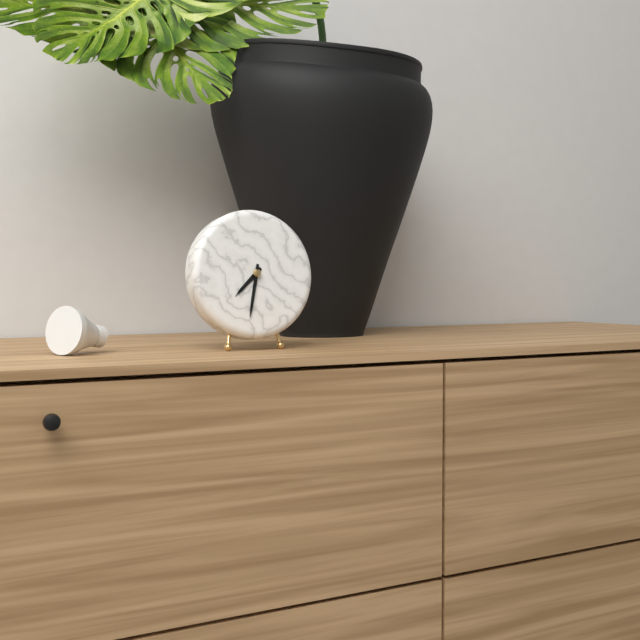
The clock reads 7h32
